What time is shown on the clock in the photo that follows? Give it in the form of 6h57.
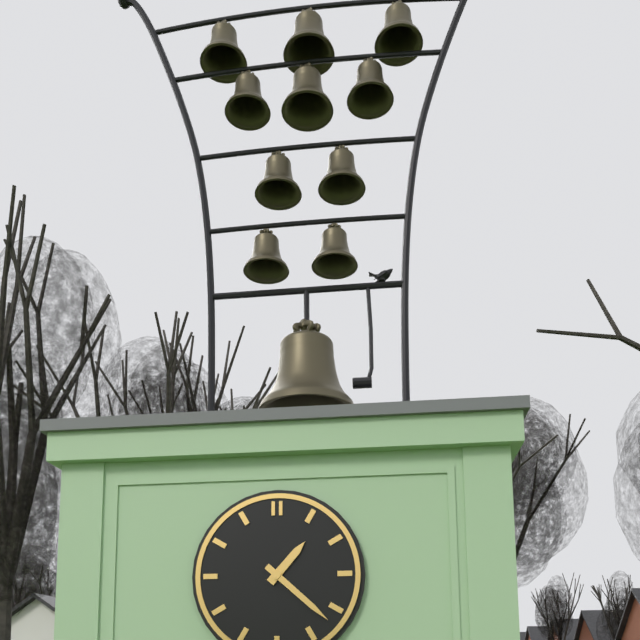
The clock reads 1h22
